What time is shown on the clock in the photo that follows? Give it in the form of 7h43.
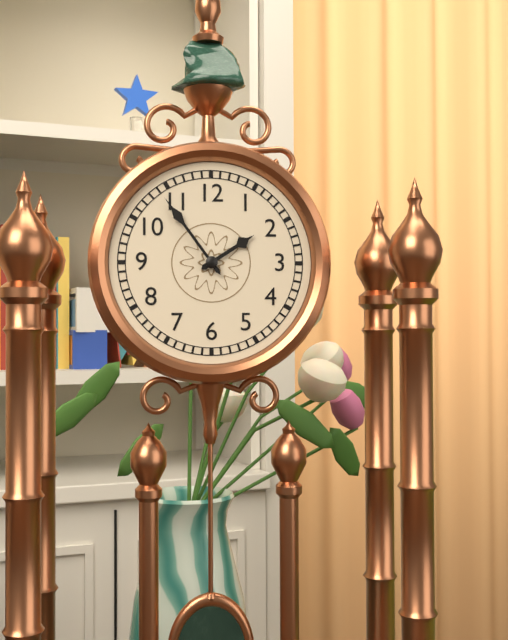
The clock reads 1h54
